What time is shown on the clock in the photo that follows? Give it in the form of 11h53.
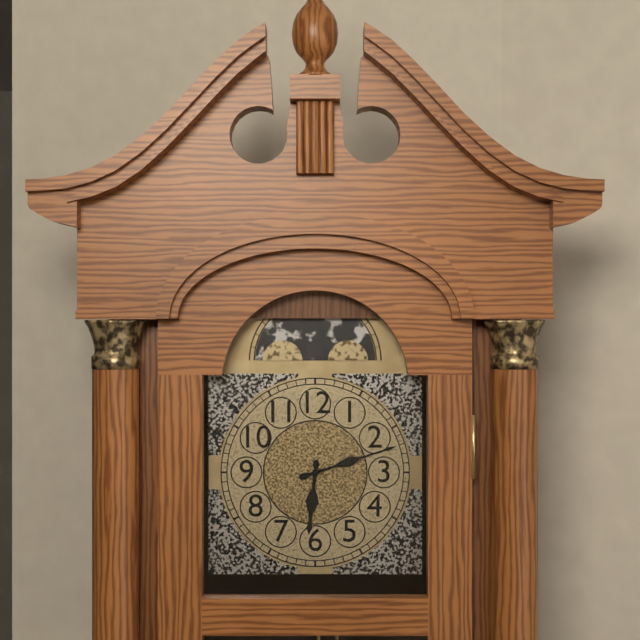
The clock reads 6h12
